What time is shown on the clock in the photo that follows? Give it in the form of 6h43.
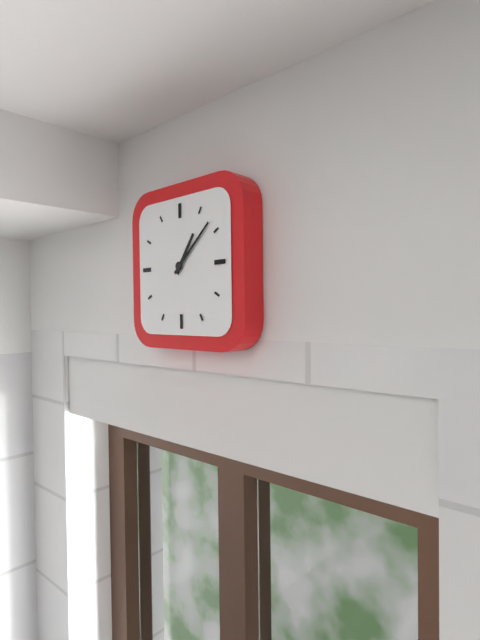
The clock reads 1h08
